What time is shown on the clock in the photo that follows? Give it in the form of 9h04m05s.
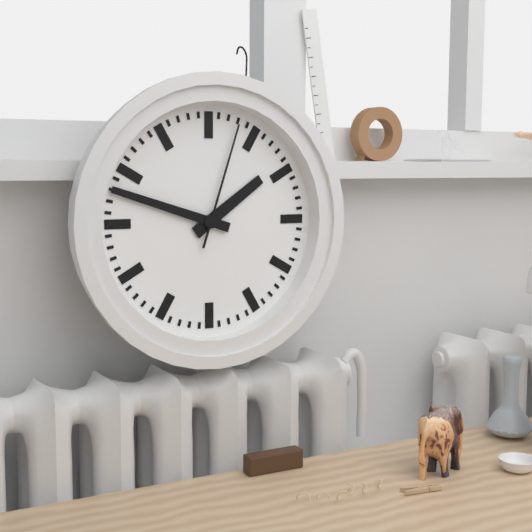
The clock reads 1h48m03s
